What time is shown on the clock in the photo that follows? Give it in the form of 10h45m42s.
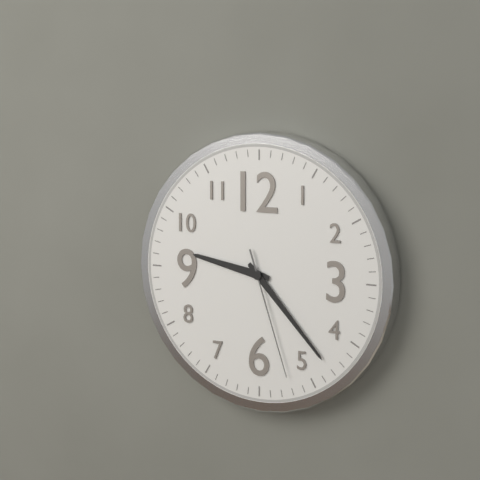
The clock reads 9h23m27s
